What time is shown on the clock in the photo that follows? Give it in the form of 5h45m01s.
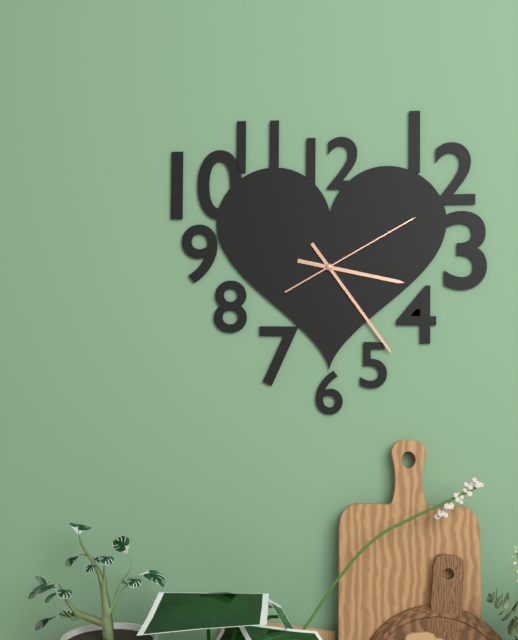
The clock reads 3h24m10s
